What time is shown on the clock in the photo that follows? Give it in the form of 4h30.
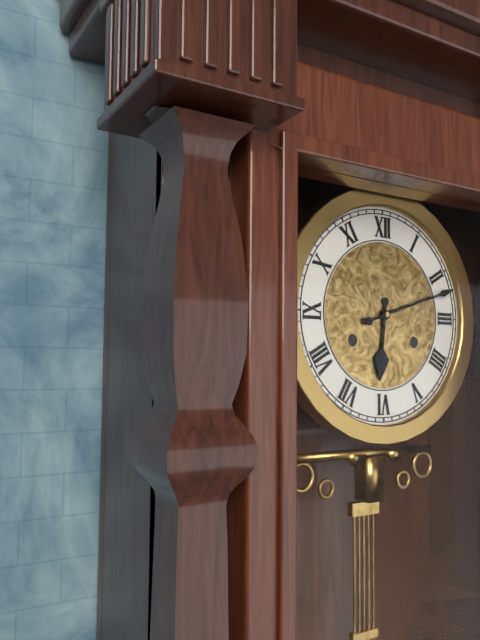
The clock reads 6h12
